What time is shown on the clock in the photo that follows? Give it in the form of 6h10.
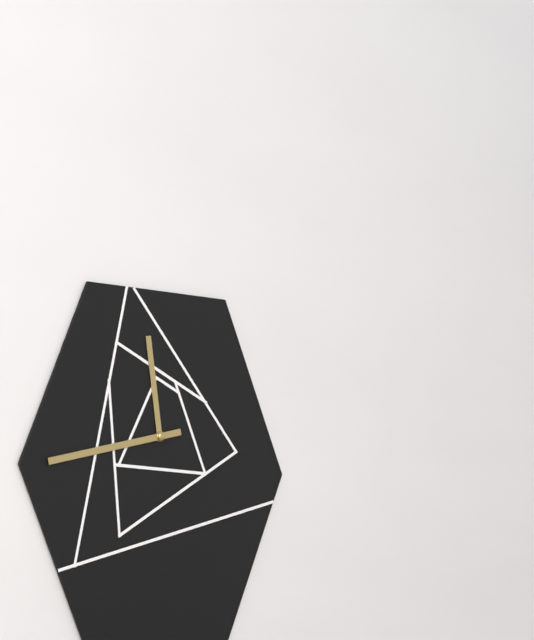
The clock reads 11h43
